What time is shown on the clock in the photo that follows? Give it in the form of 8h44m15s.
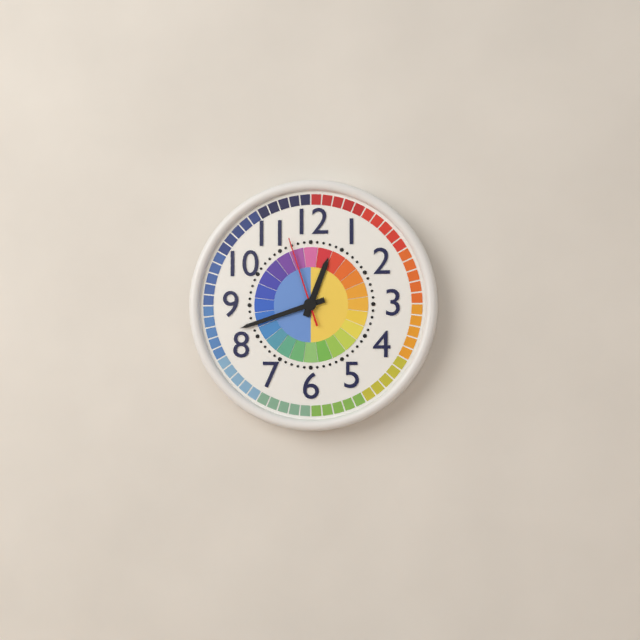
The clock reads 12h42m57s
